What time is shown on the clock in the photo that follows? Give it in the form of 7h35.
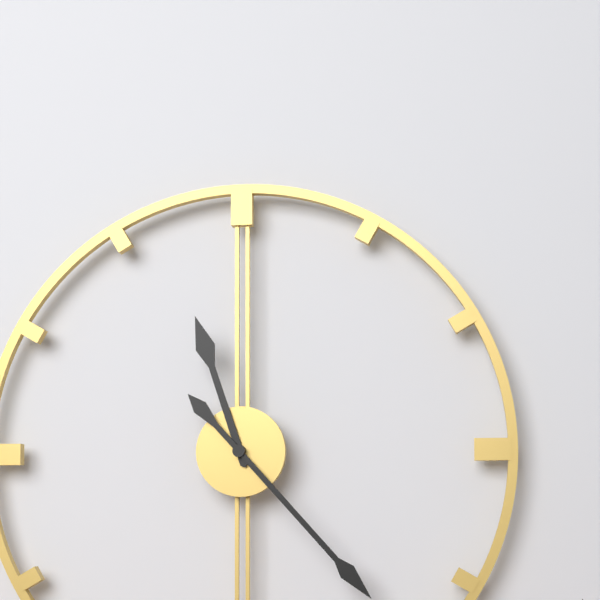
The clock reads 11h23
